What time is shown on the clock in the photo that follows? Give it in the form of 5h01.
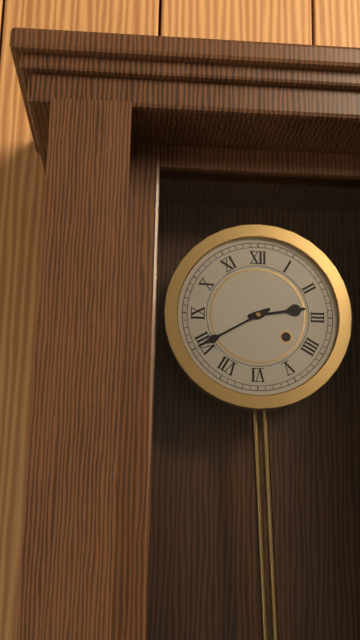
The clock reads 2h40
